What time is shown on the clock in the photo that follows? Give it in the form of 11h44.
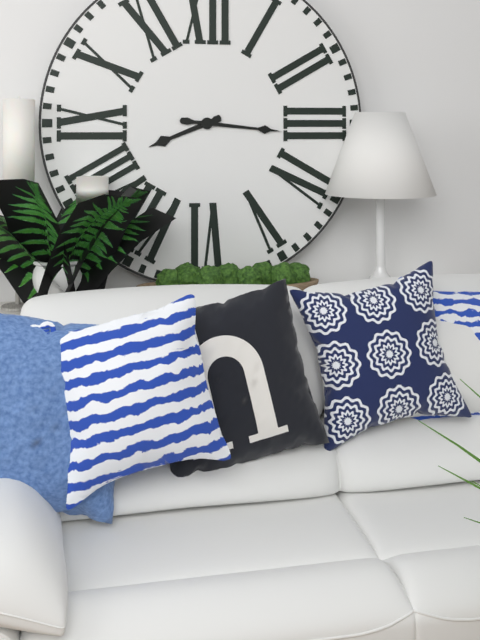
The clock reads 8h16
